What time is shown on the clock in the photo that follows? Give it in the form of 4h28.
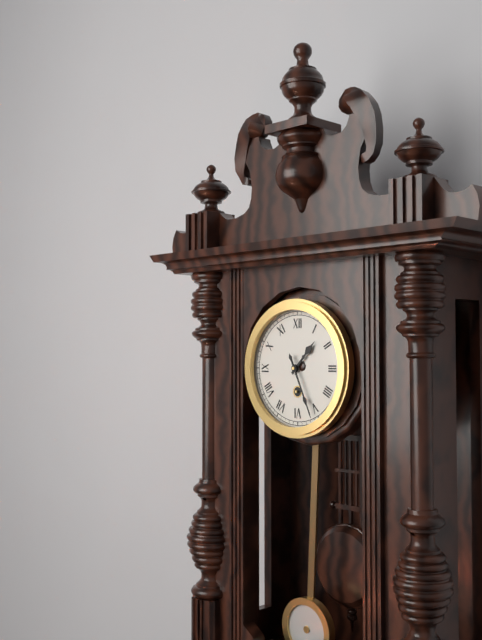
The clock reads 1h26
